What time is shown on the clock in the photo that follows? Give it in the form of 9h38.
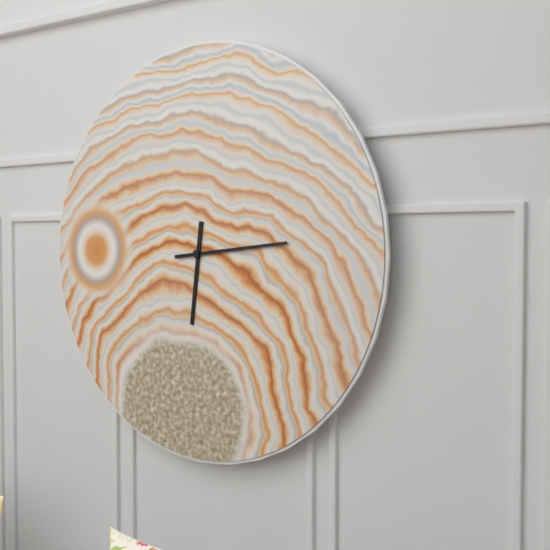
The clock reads 6h14
